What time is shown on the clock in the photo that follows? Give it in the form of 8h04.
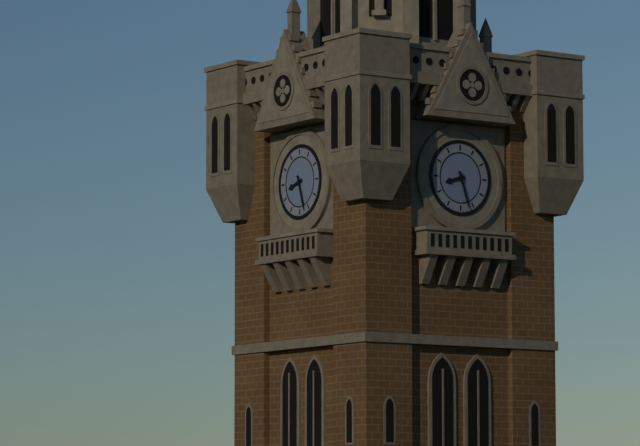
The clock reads 8h27
